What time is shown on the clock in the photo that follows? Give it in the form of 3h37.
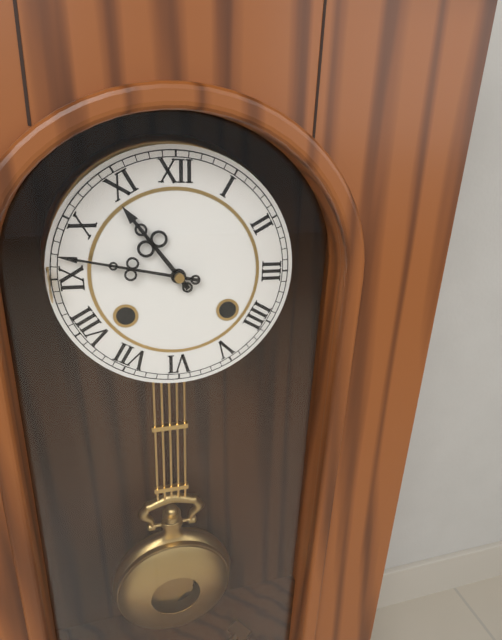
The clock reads 10h47
